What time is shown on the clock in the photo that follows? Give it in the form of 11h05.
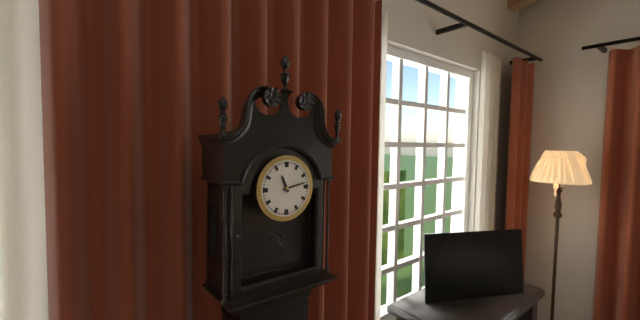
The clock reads 11h13
